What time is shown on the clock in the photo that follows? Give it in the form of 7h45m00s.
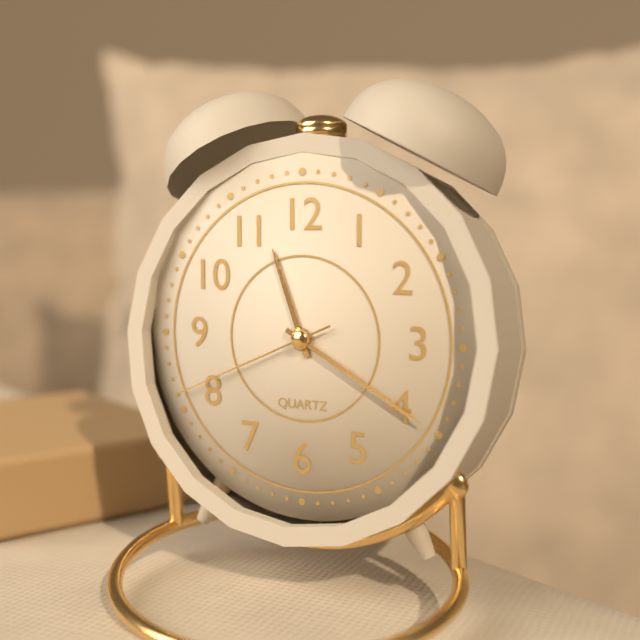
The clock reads 11h20m41s
